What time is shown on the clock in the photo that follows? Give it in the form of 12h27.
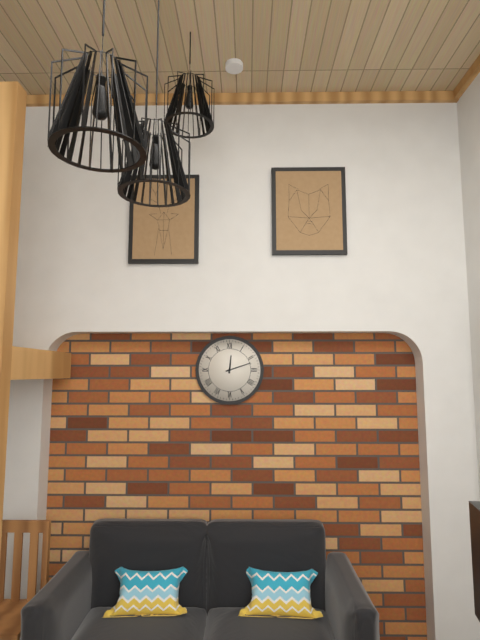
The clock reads 12h12
